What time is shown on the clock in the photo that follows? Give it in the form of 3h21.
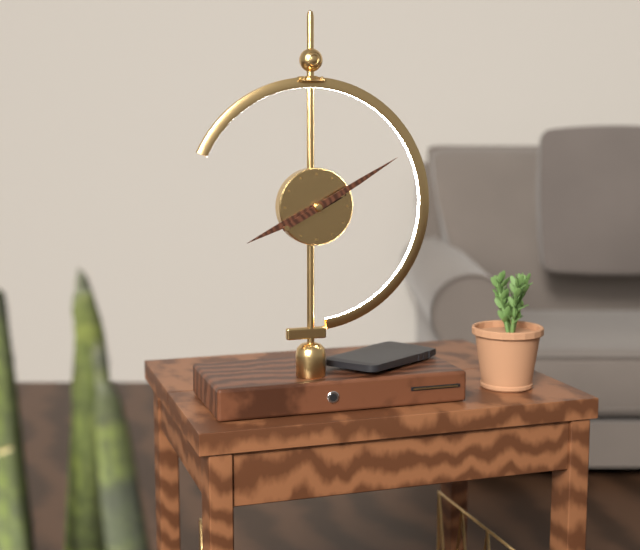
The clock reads 8h10
